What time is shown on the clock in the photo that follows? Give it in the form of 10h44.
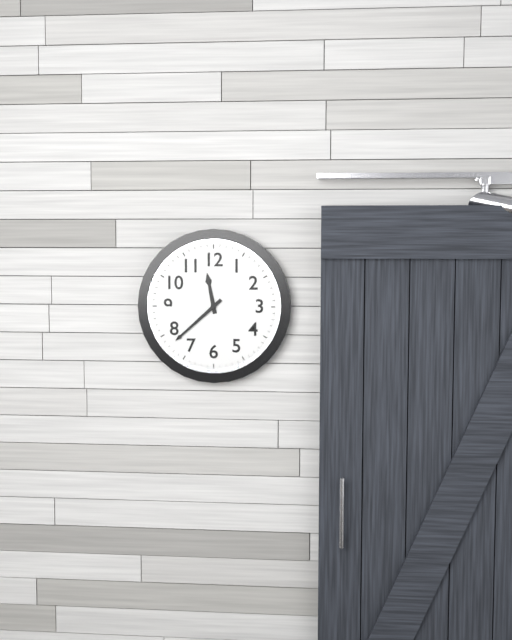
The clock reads 11h38
